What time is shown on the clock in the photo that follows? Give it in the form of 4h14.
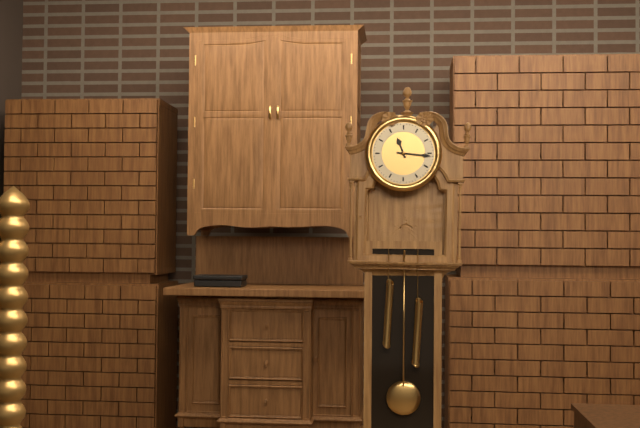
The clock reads 11h16
